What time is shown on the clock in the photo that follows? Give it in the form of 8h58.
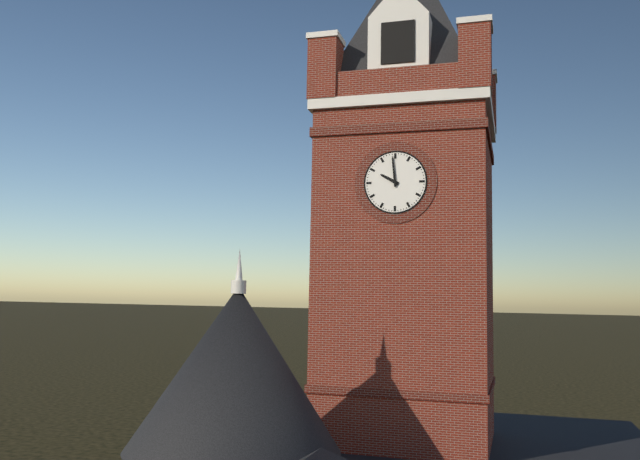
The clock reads 9h59
